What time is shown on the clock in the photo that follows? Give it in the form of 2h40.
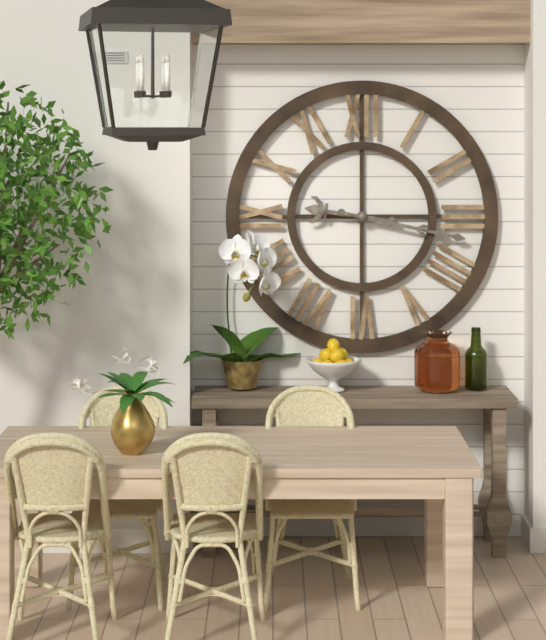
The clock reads 9h17
